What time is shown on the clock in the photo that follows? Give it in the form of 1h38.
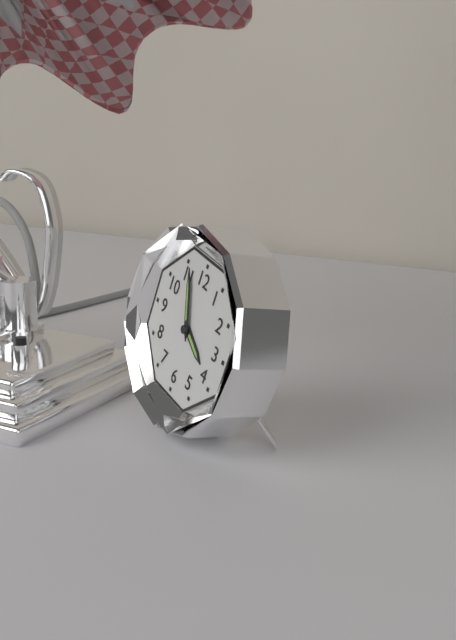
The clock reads 3h56
